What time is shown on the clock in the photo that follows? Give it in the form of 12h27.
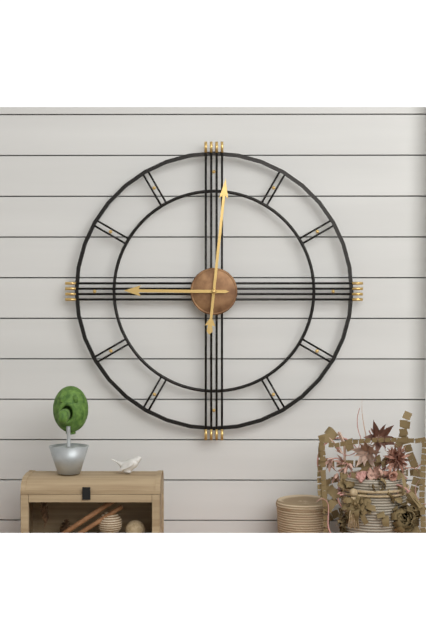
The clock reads 9h01
